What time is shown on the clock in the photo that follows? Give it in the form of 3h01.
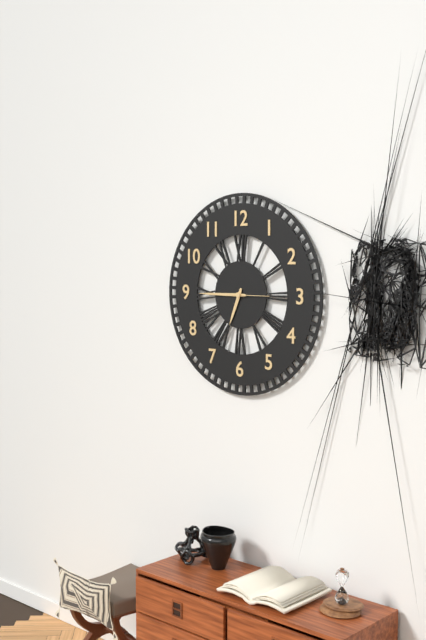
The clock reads 6h45
